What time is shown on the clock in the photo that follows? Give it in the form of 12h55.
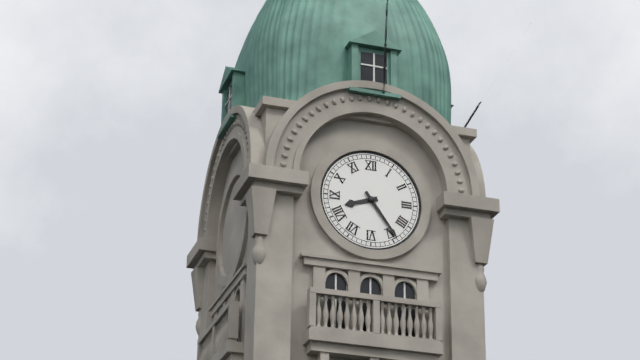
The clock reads 8h24
